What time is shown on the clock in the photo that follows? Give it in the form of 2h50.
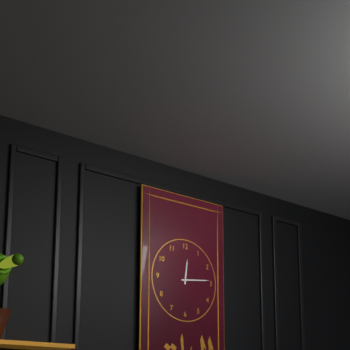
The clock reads 12h14
